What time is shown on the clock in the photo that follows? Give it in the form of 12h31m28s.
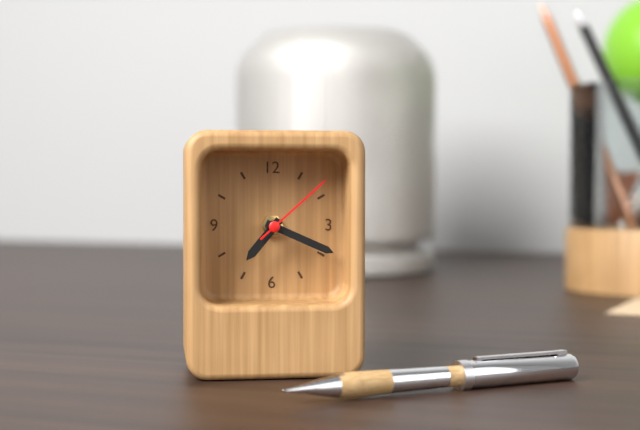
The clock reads 7h19m08s
